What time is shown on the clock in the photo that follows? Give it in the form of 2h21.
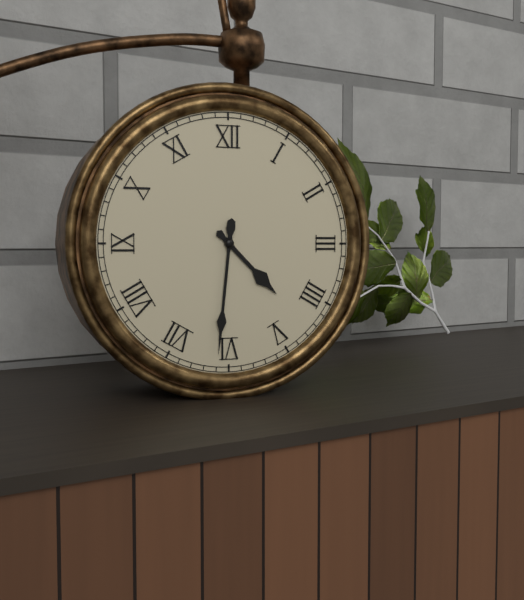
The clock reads 4h31
